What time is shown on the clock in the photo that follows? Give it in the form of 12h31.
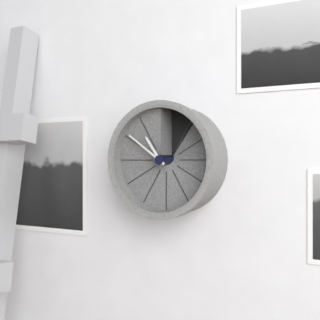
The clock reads 10h51
